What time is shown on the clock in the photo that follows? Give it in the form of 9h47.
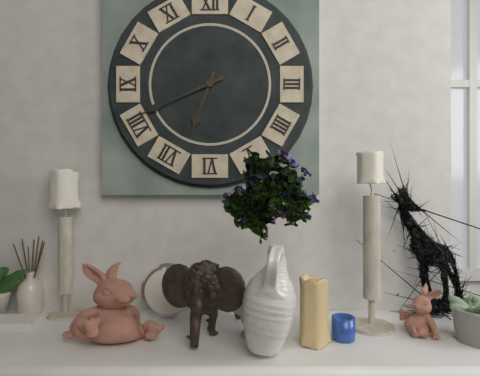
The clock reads 6h41
